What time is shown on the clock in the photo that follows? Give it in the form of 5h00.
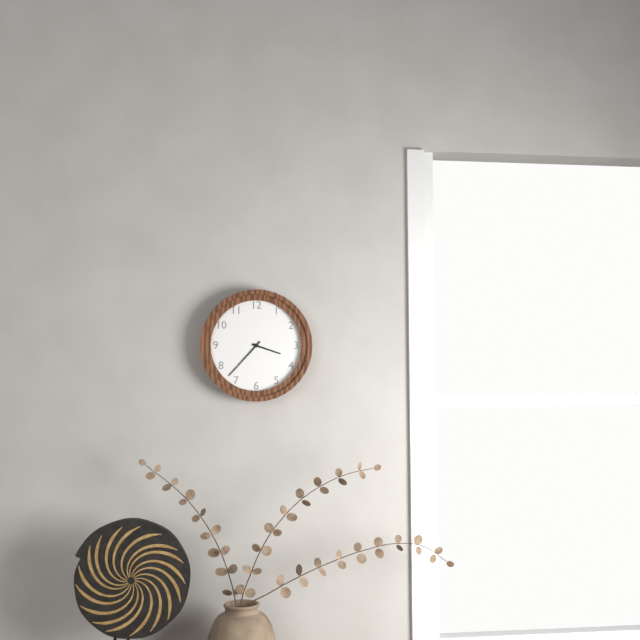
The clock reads 3h37
